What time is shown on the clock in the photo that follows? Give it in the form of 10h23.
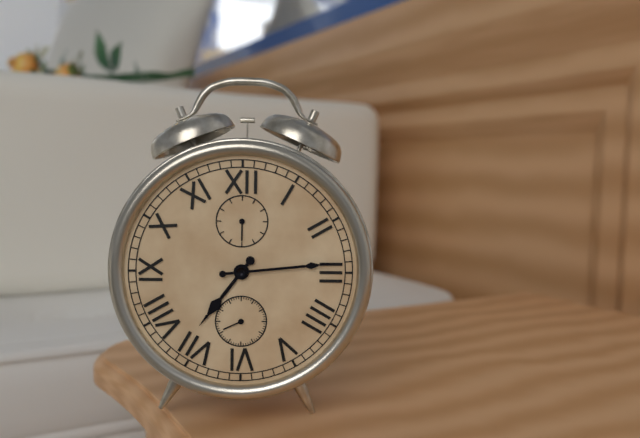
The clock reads 7h14
